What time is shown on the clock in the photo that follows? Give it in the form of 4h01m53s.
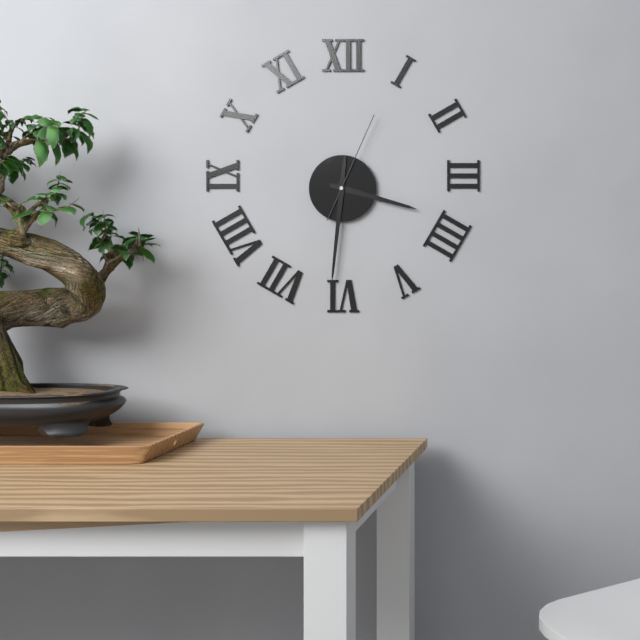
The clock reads 3h31m04s
